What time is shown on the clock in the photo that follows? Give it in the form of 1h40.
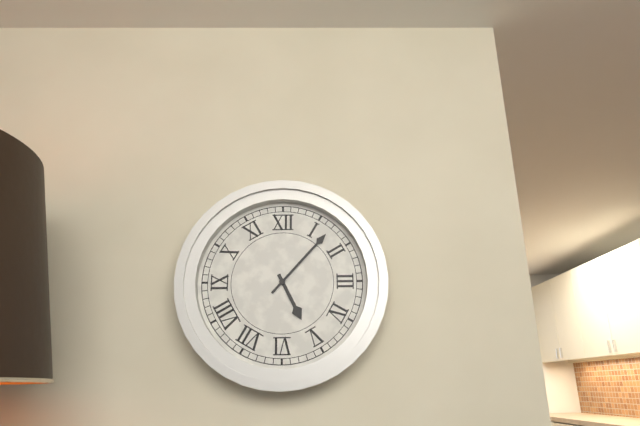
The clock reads 5h07
